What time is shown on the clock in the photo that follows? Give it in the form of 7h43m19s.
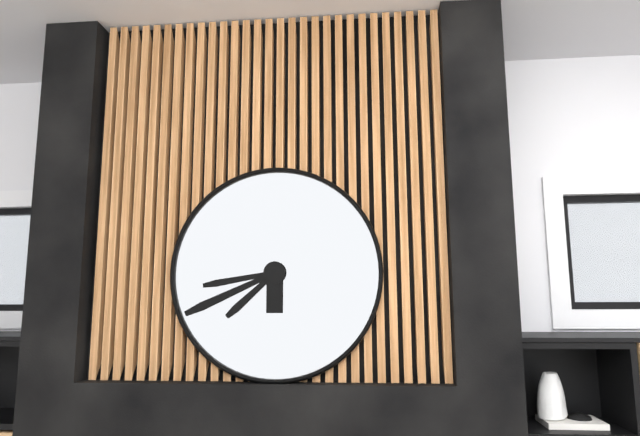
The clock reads 8h41m38s
